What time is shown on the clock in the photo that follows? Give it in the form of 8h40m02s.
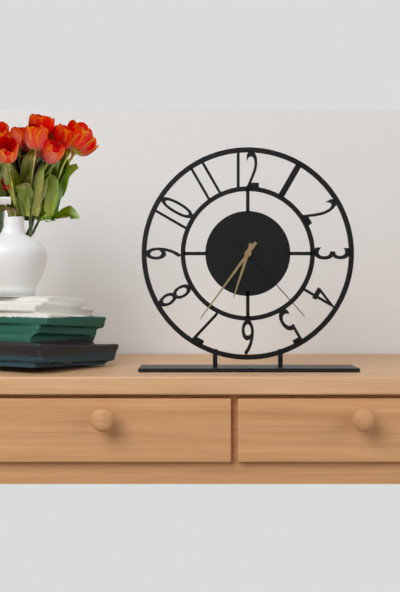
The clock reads 6h36m23s
